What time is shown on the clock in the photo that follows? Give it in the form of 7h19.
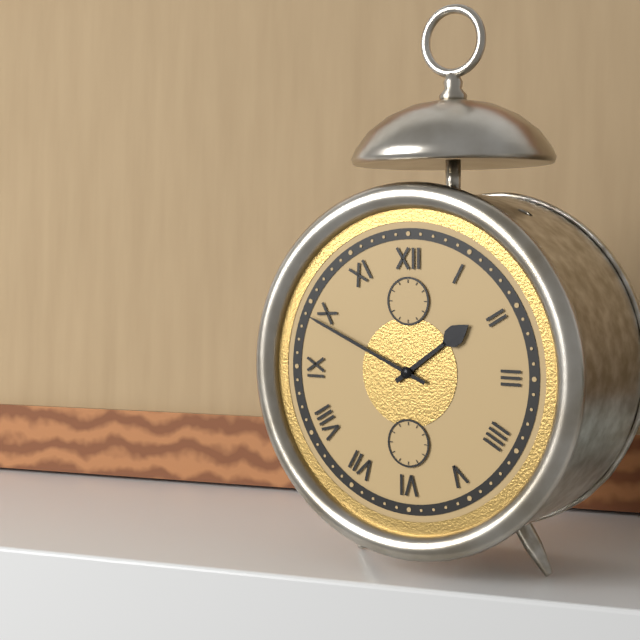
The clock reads 1h49
